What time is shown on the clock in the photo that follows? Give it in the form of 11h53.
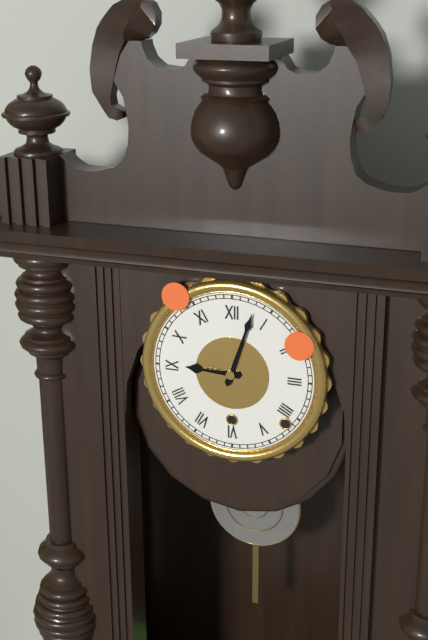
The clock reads 9h03
